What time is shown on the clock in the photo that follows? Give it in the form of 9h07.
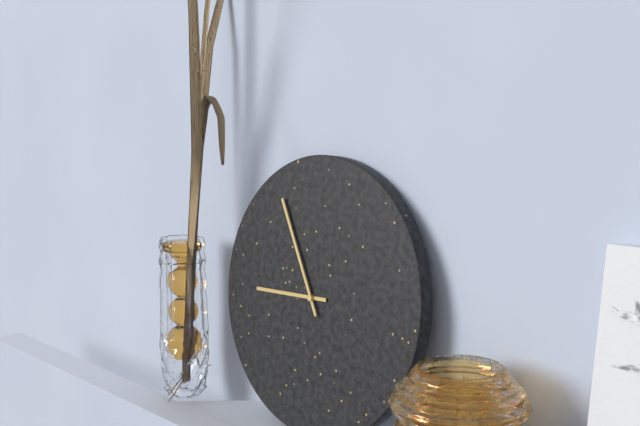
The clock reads 8h55
